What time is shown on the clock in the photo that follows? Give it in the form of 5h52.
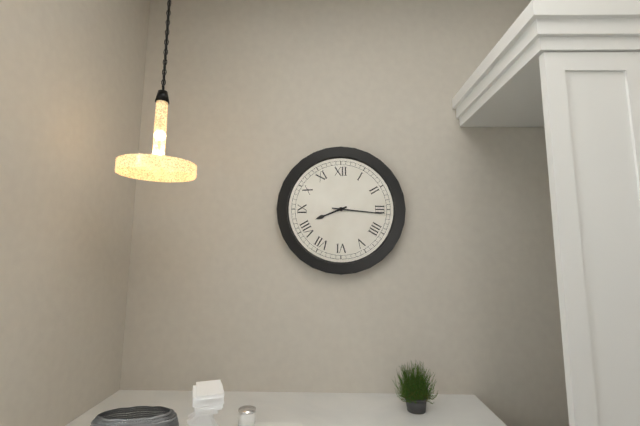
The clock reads 8h16
